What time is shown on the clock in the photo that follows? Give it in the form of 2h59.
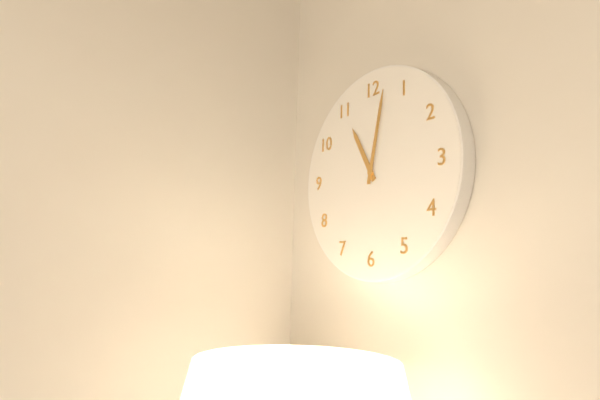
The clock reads 11h02
